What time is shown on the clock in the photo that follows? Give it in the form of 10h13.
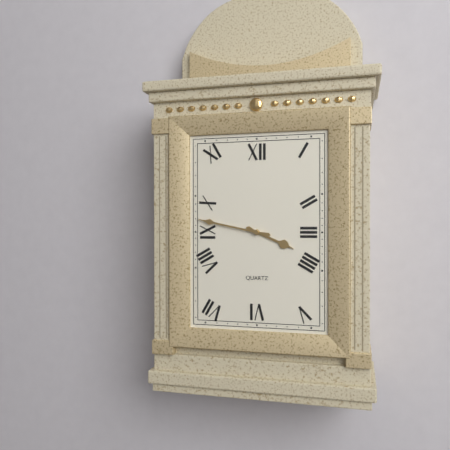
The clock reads 3h47
